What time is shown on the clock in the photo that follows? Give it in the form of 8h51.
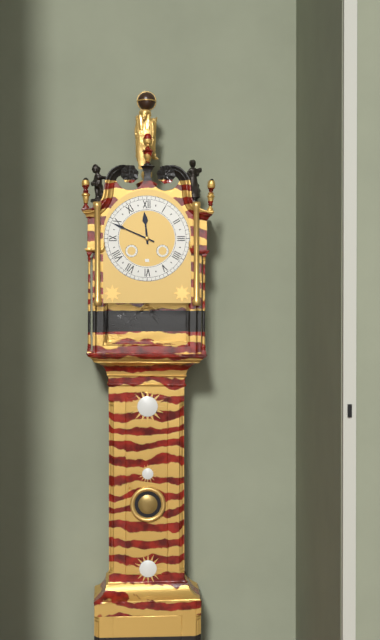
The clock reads 11h49
